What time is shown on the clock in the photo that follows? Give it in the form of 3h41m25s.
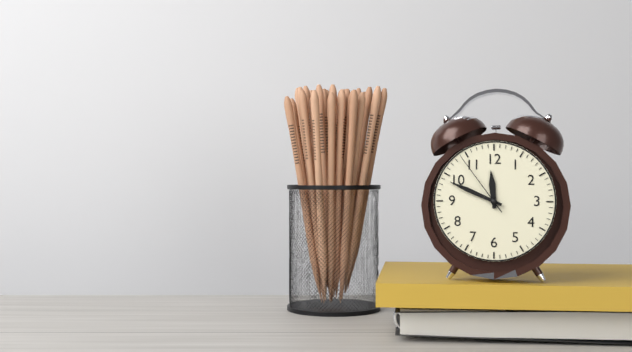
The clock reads 11h49m54s
